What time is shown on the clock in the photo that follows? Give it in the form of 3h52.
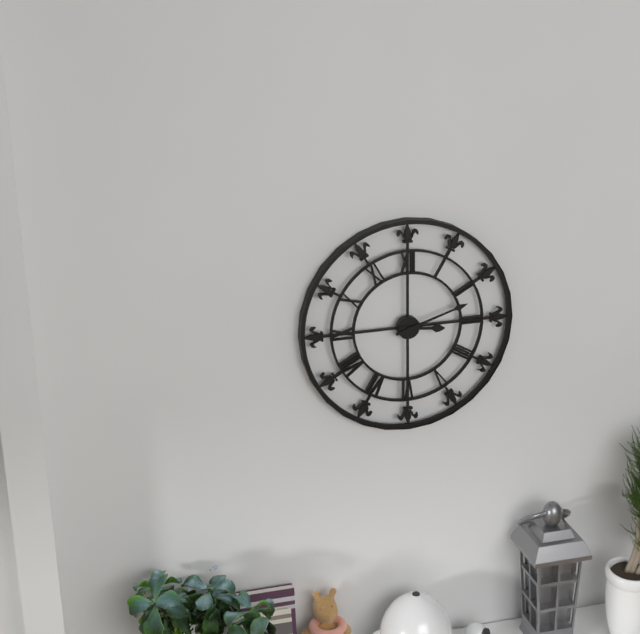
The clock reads 3h12
